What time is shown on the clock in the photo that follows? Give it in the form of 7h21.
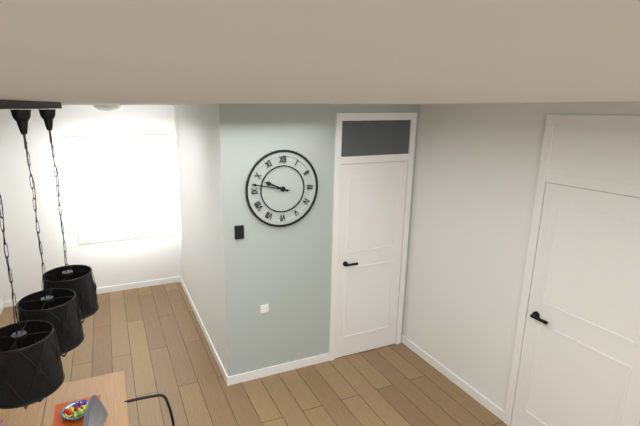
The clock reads 9h47
